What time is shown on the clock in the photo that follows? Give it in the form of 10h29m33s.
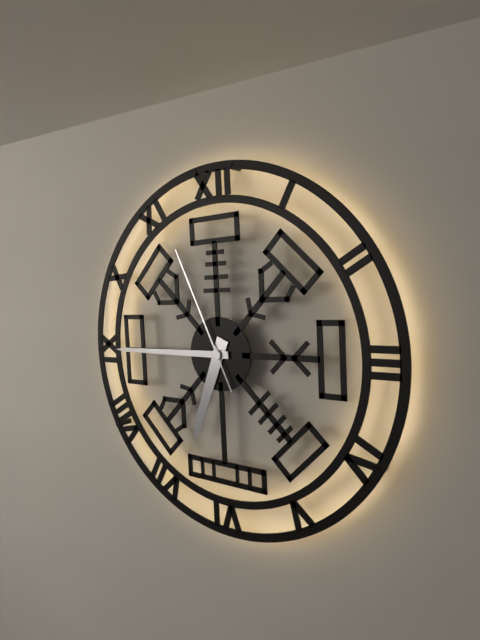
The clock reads 6h45m56s
